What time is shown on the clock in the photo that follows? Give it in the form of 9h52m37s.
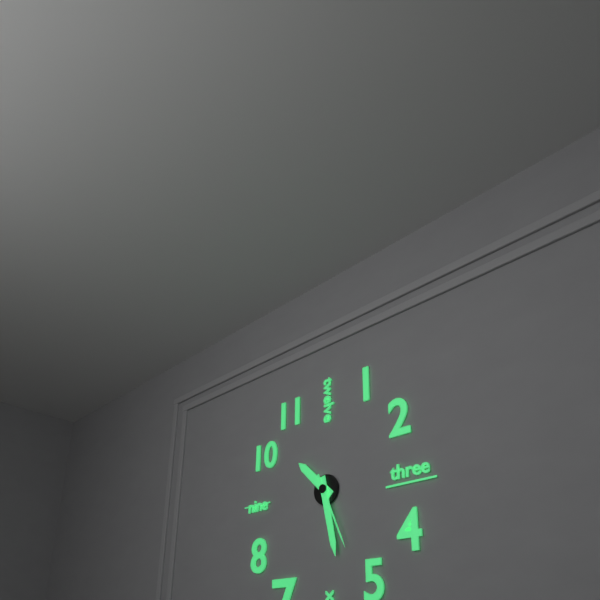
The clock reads 10h28m26s
